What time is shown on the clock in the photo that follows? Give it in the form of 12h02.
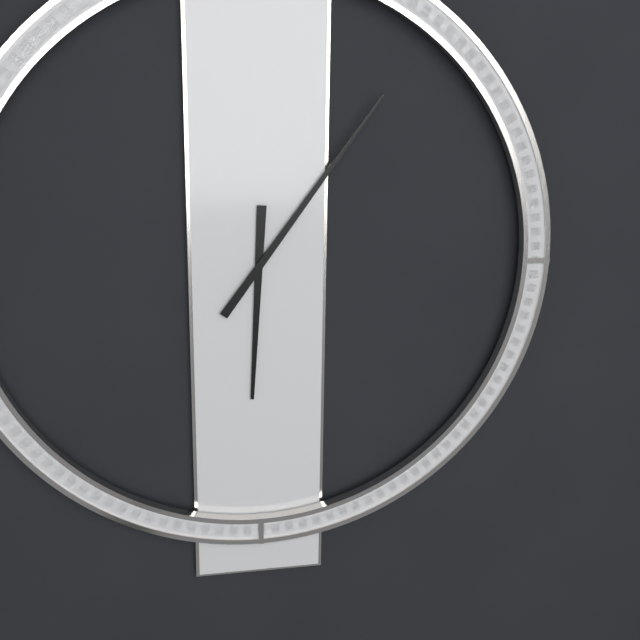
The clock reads 6h06
